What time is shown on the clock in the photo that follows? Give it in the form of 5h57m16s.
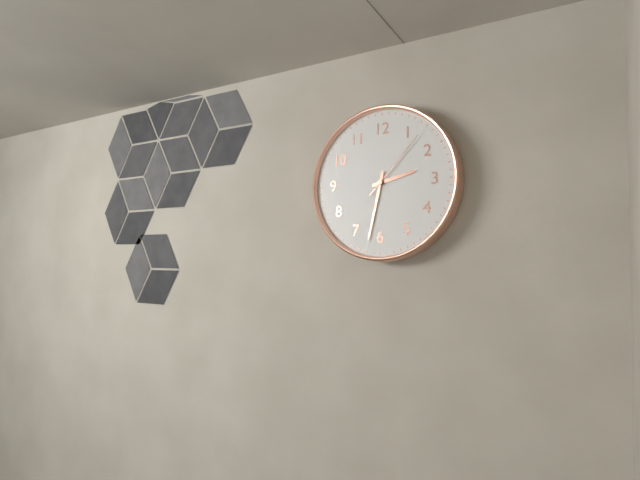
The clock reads 2h32m07s
